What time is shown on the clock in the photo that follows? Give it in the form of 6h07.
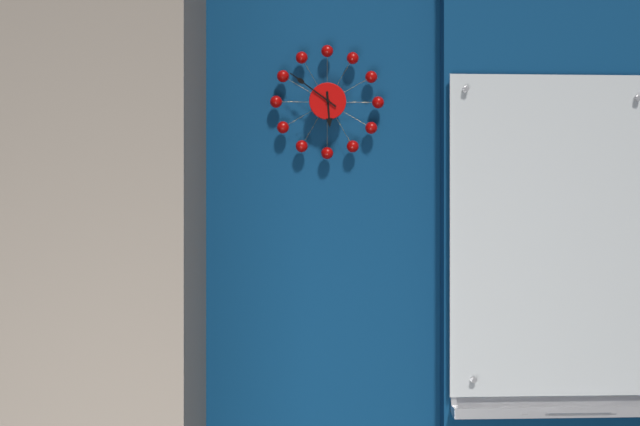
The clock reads 5h51
